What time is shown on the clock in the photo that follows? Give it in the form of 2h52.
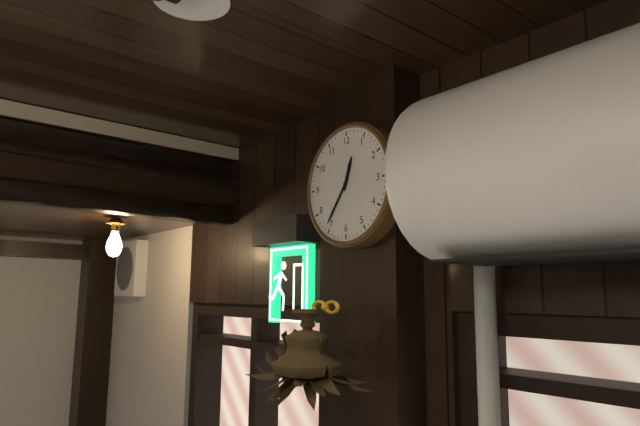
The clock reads 12h36
